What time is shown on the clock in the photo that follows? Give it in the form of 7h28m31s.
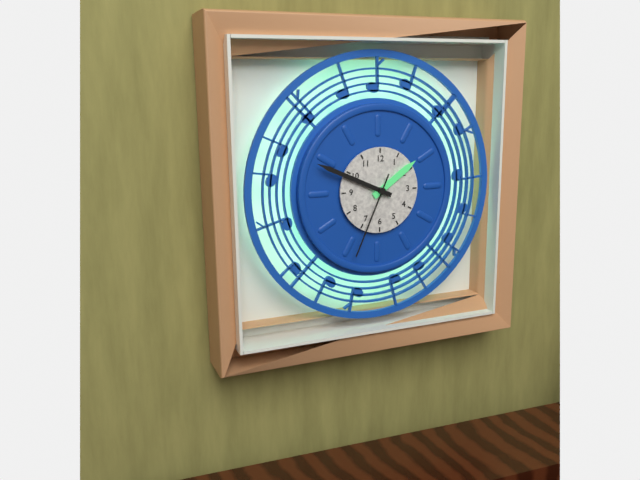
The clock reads 1h49m34s
